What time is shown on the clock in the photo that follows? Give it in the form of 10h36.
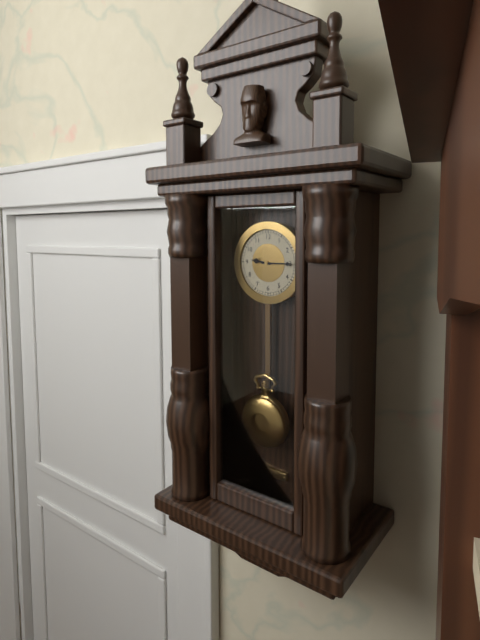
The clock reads 9h15
